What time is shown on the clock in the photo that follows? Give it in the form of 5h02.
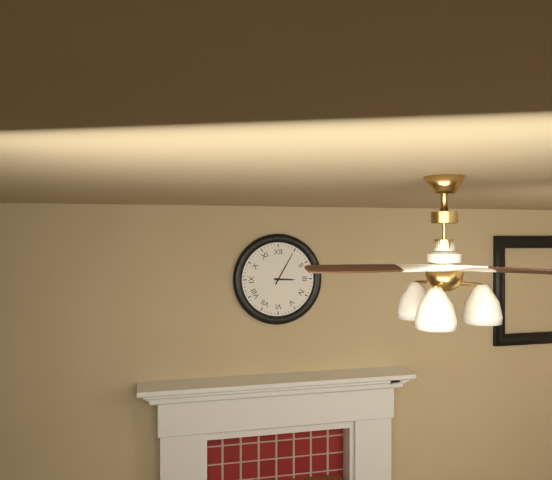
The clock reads 3h05
